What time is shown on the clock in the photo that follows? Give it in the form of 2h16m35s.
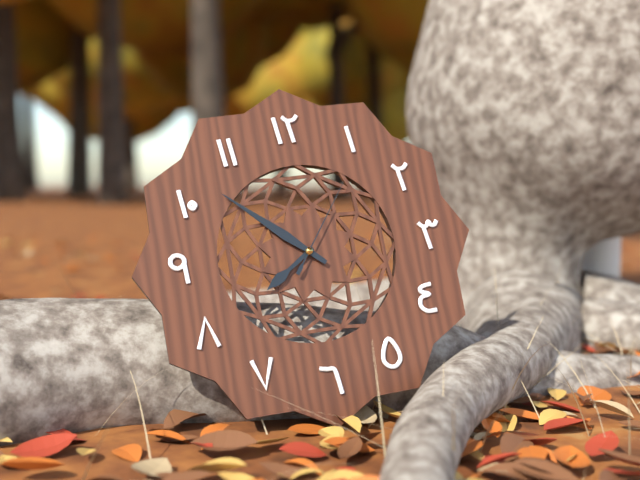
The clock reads 7h52m06s
